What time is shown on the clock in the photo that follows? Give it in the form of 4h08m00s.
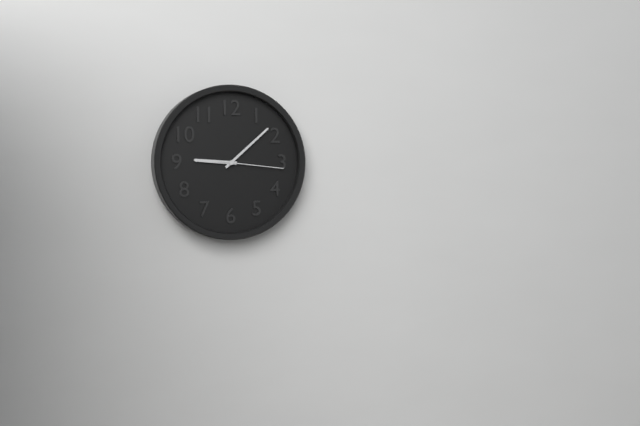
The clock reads 9h08m16s
